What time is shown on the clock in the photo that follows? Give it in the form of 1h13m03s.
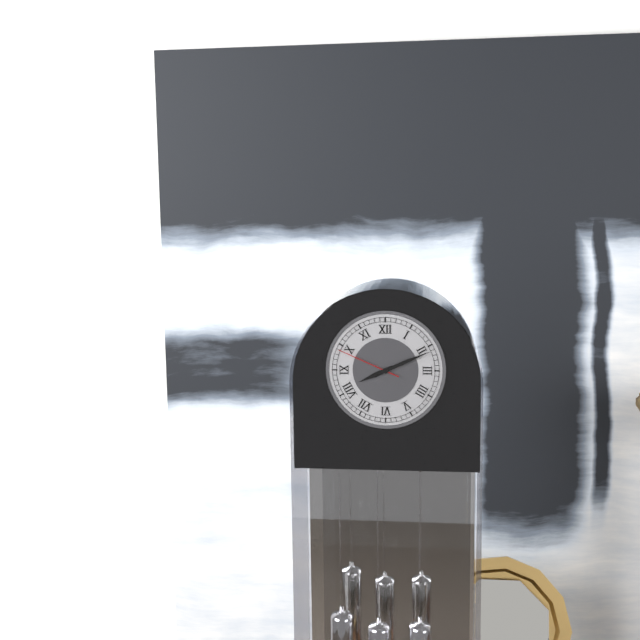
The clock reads 8h11m49s
